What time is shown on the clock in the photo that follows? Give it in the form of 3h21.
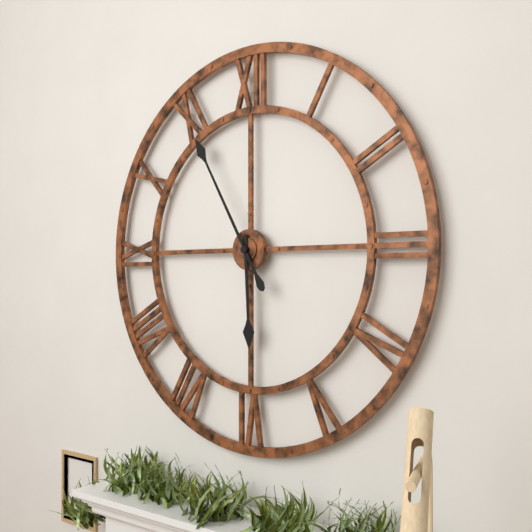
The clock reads 5h55
